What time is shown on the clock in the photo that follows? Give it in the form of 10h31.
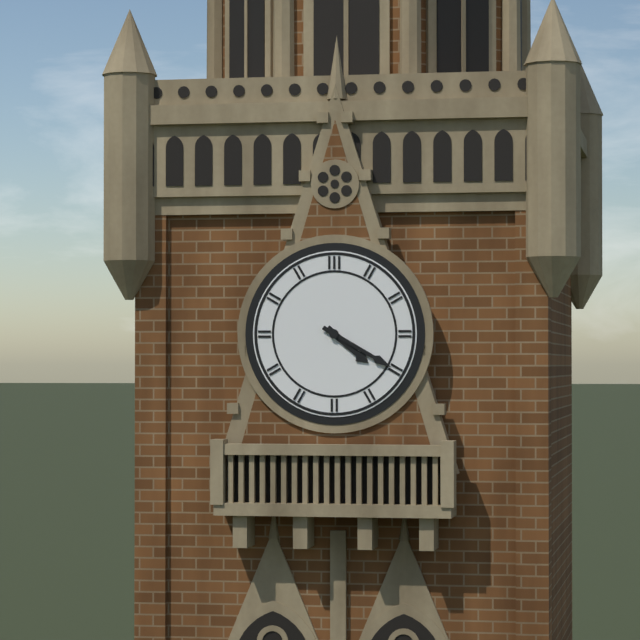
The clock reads 4h20
